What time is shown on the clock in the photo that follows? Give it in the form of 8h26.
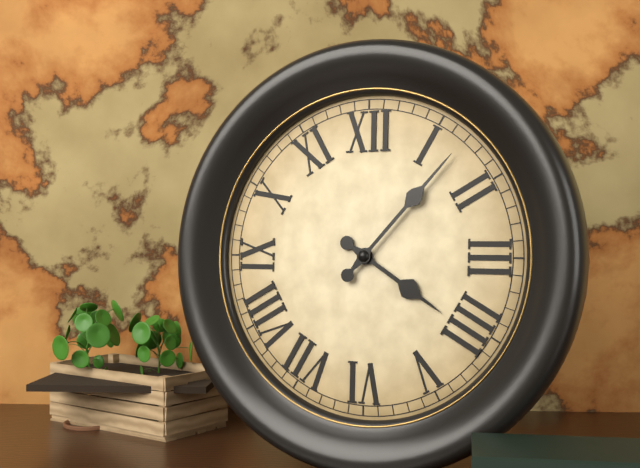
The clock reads 4h07
